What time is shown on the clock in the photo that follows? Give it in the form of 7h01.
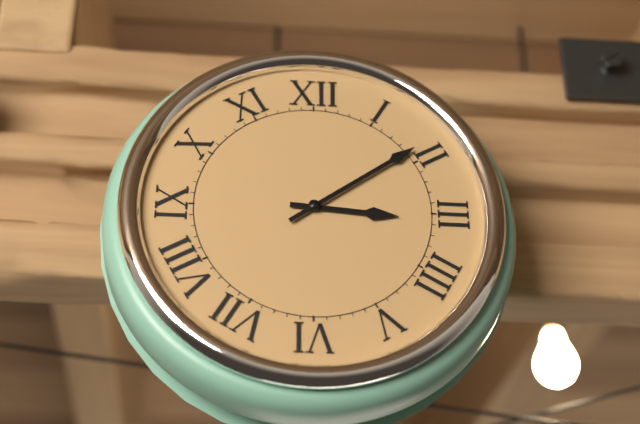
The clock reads 3h09
